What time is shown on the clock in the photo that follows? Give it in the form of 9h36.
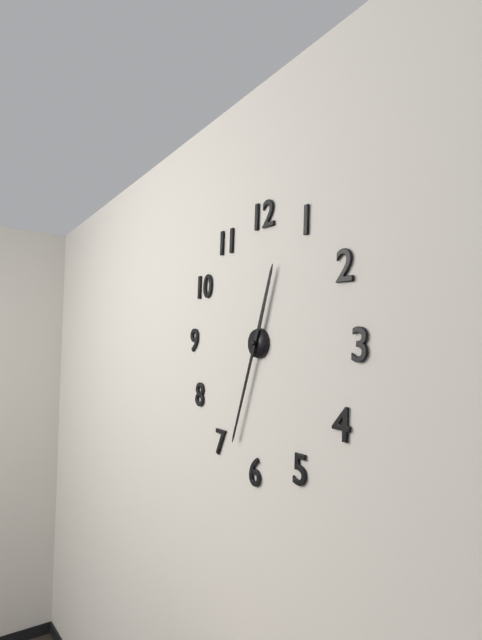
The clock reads 12h33
